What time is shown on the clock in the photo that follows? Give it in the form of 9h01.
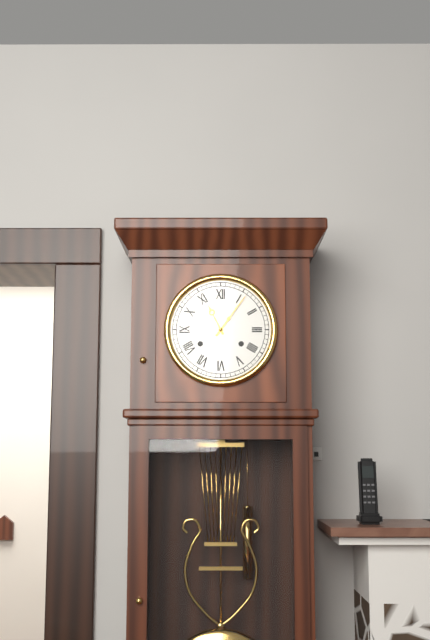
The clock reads 11h06
